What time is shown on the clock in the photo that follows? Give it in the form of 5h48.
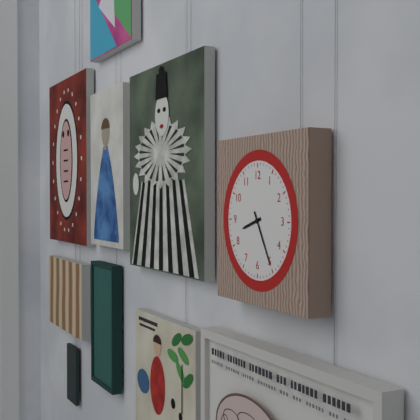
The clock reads 8h25
